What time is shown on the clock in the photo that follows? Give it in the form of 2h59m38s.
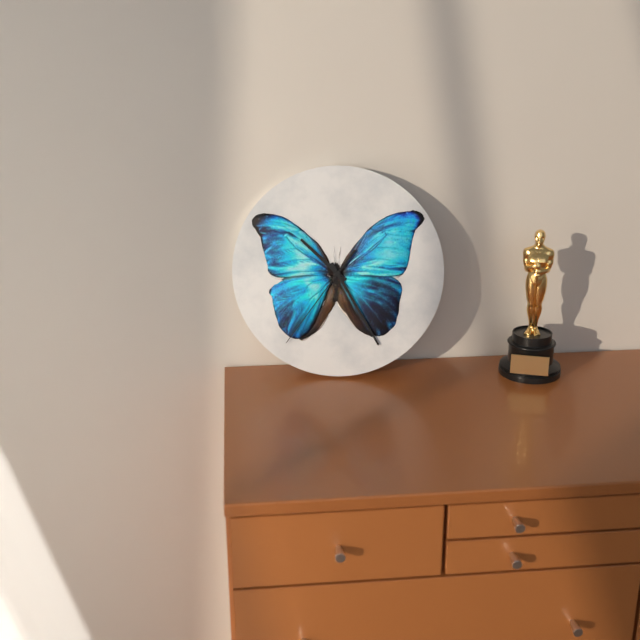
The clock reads 10h25m36s
